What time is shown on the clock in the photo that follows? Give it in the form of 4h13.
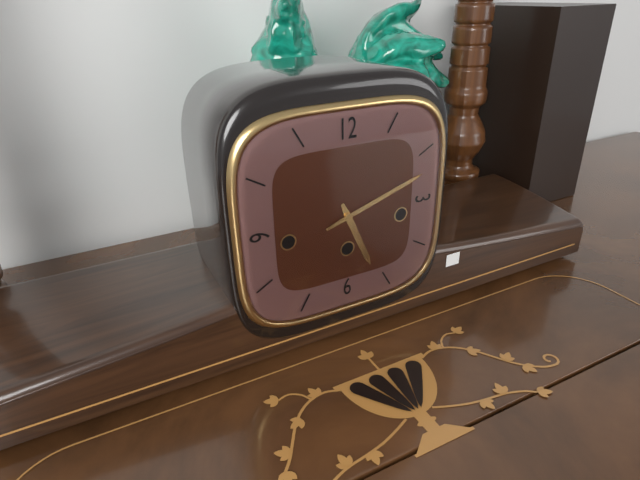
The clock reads 5h12
